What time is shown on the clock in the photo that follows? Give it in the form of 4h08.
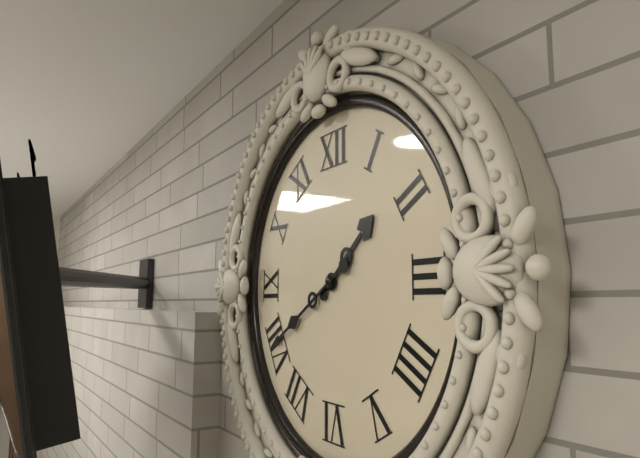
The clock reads 1h40
